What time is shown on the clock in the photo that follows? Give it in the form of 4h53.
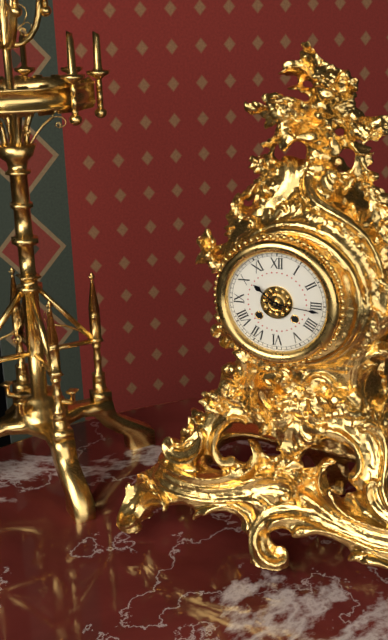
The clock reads 10h16
